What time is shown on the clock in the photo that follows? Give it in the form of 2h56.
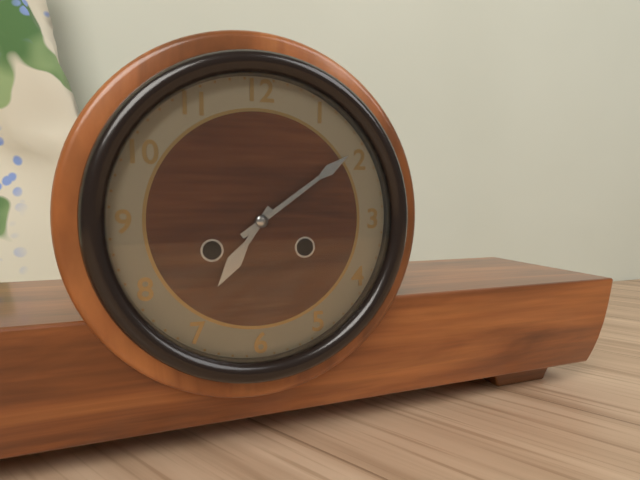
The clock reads 7h09
